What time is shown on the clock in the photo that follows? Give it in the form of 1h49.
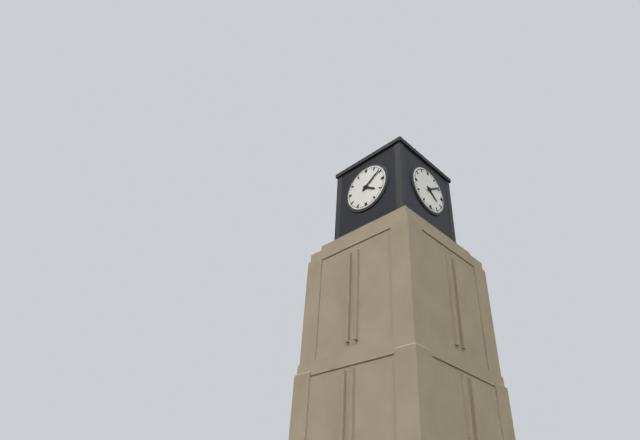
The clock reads 4h09
